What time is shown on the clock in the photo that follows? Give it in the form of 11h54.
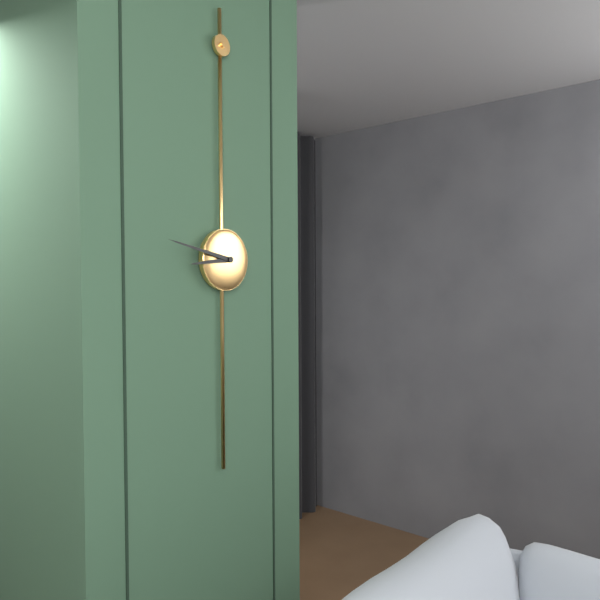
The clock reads 8h47
